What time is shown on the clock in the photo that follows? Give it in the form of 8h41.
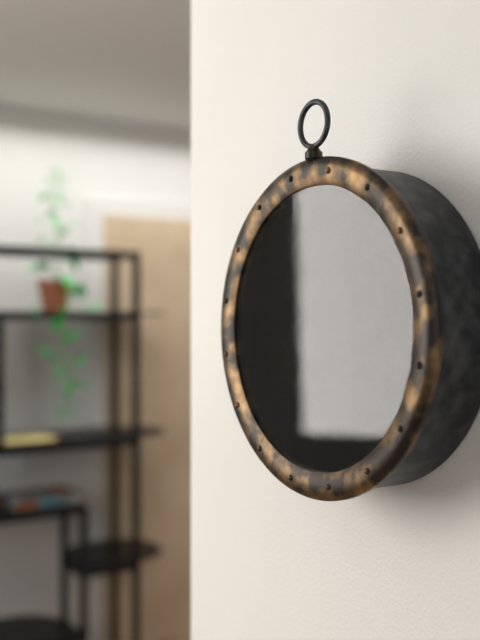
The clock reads 5h35
